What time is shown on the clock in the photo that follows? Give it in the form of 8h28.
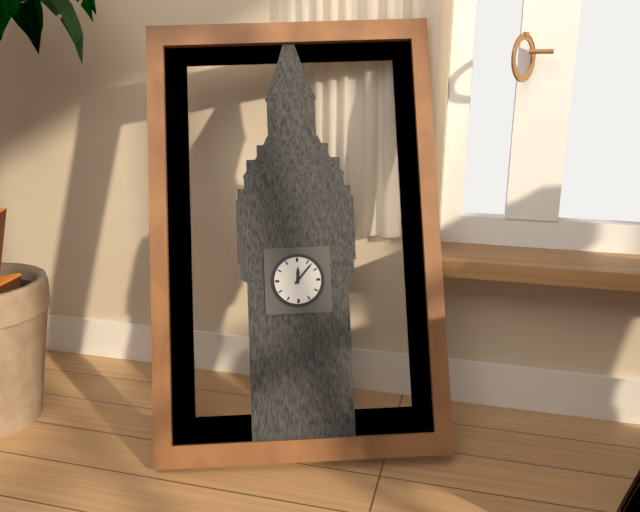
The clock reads 12h07
